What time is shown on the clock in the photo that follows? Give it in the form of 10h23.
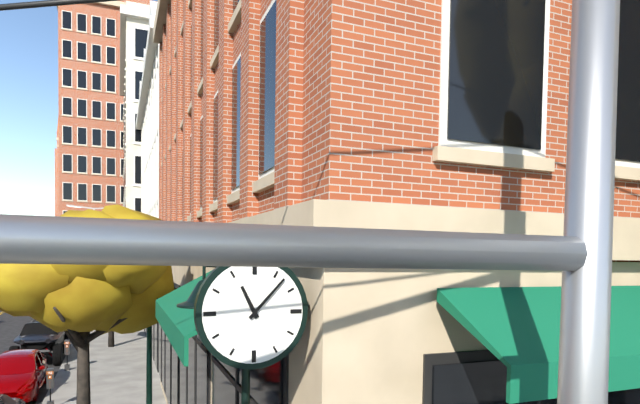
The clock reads 11h07
